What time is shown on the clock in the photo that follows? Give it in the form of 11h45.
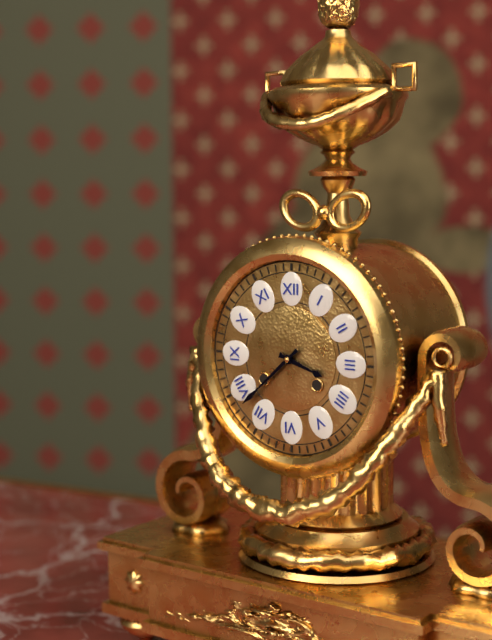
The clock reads 3h38
